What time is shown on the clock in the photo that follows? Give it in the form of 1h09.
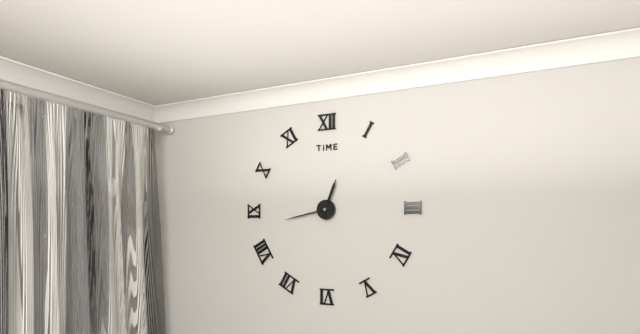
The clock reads 12h43
